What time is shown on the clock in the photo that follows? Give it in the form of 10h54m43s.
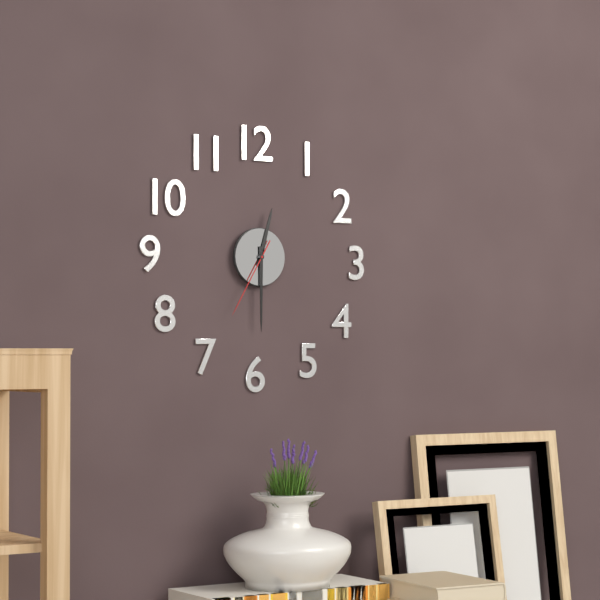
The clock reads 12h30m35s
